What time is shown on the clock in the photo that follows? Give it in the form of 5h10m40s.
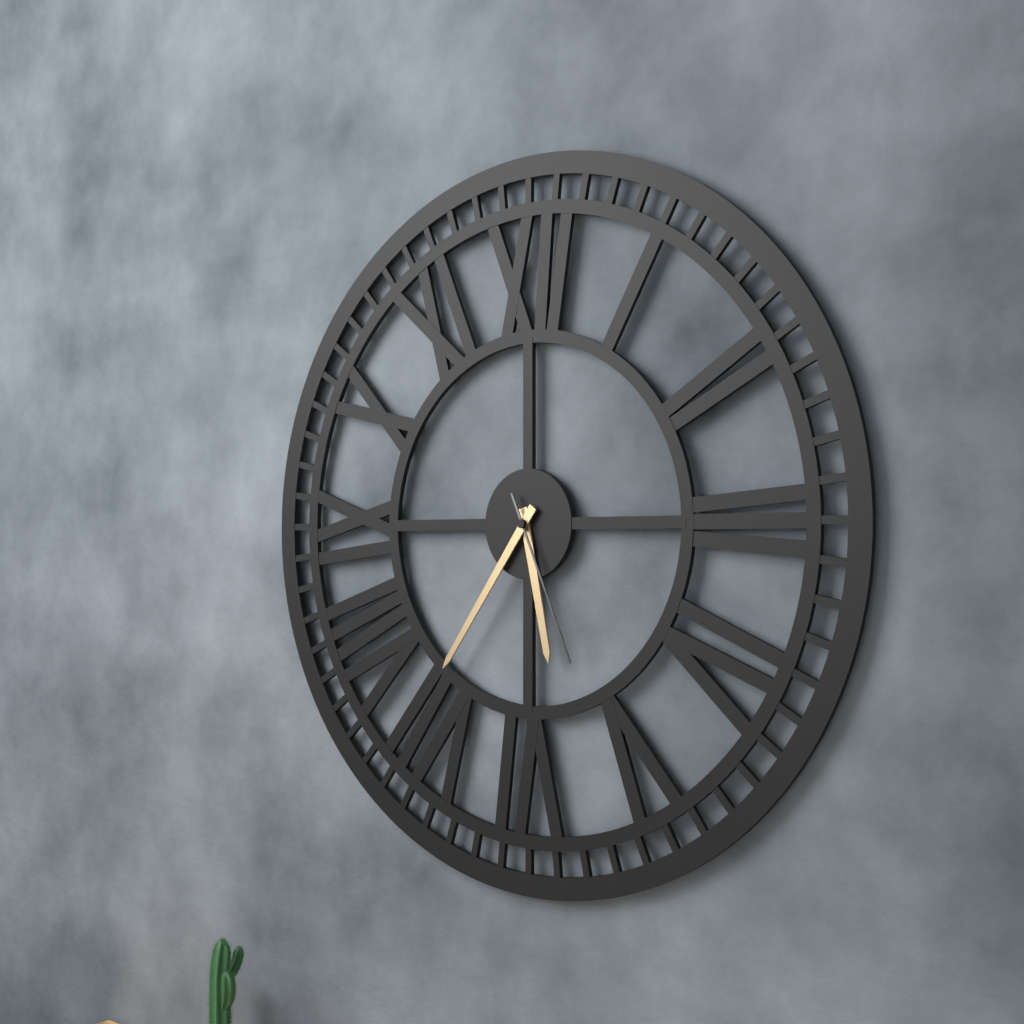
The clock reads 5h36m26s
